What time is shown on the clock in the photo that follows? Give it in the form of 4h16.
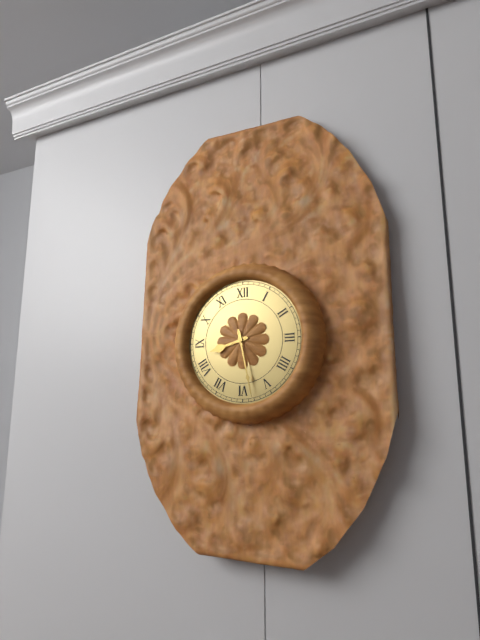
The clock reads 8h28
